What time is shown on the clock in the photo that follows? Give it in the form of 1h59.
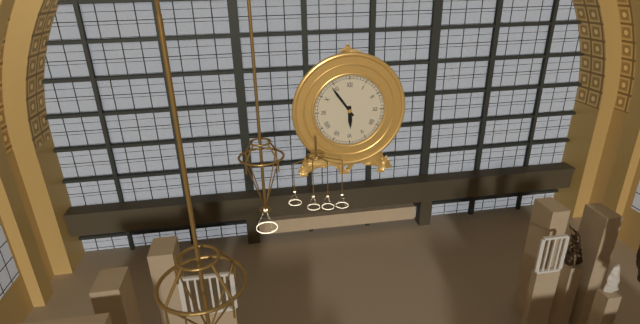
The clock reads 5h54
